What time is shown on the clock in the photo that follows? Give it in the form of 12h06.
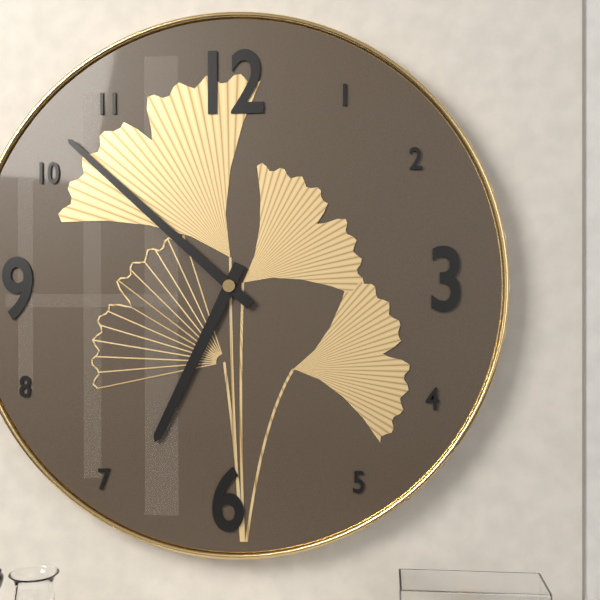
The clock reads 6h52
